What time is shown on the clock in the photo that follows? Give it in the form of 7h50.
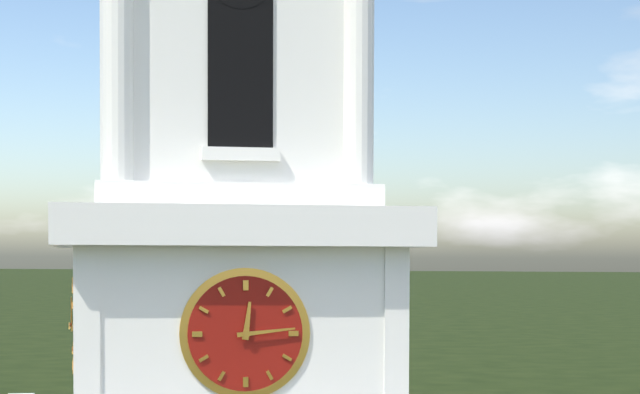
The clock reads 12h14
